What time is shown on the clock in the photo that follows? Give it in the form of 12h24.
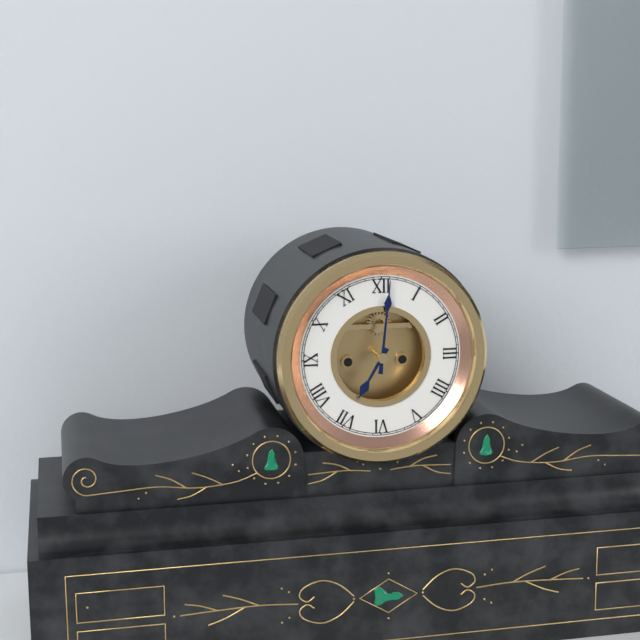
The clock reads 7h01
